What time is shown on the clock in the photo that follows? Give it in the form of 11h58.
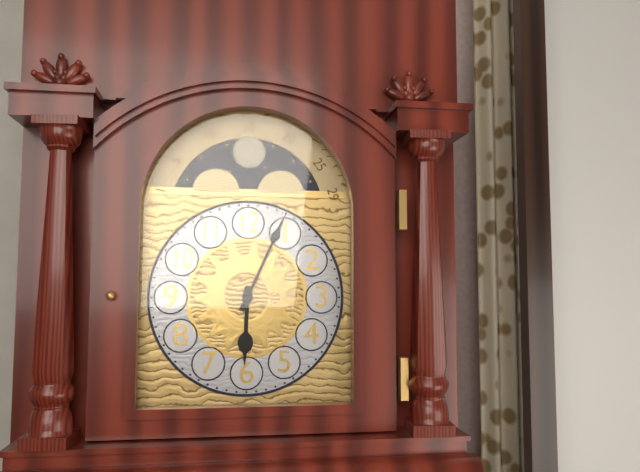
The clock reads 6h04
